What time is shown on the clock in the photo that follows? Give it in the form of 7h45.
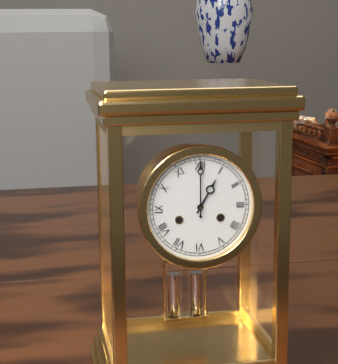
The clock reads 1h00
